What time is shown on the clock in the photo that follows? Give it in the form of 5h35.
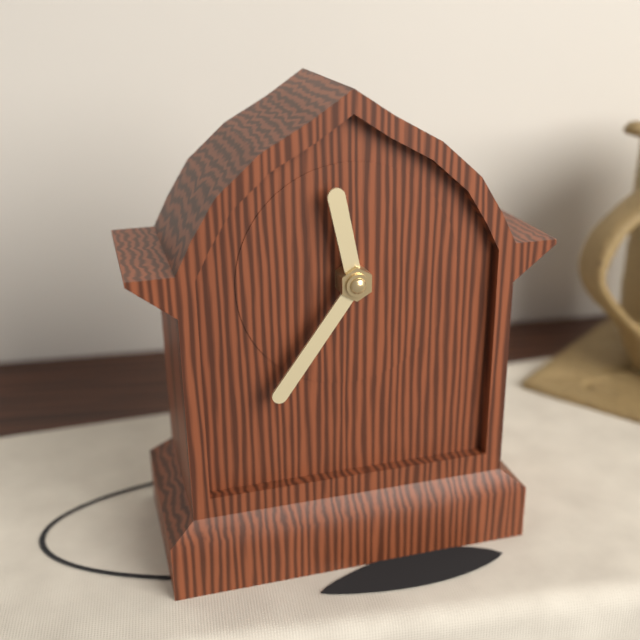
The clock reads 11h36
